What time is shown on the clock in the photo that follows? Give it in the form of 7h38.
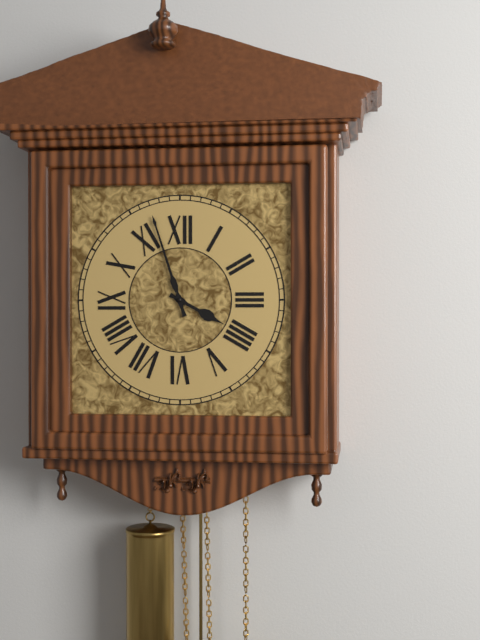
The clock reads 3h57
